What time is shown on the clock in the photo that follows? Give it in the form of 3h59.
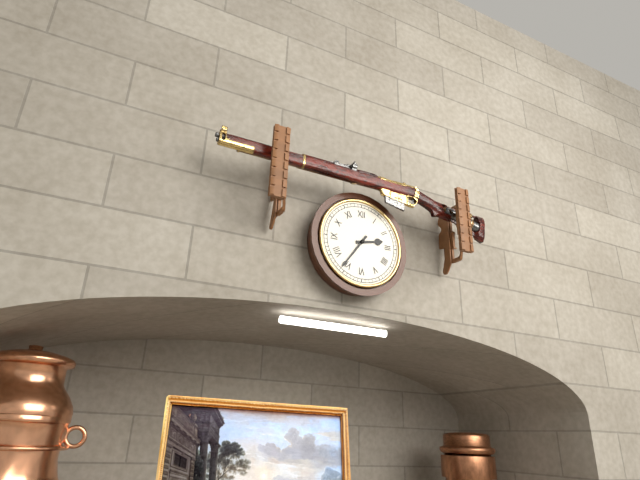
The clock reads 2h36
